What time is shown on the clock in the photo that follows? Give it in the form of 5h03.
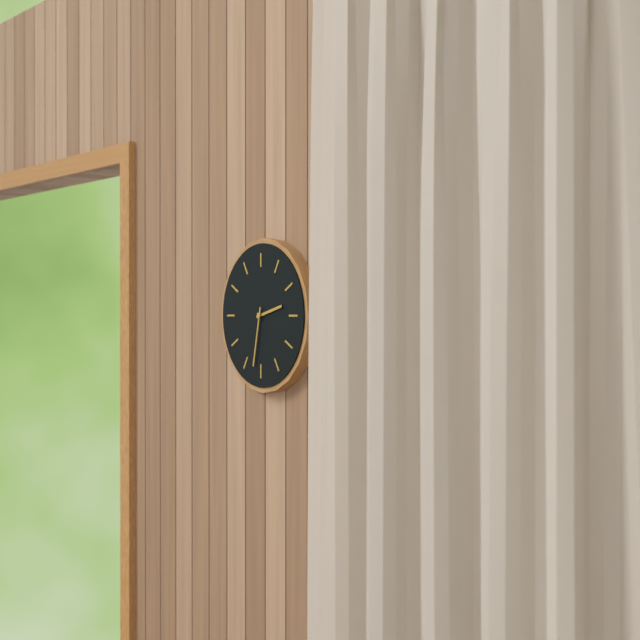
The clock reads 2h32
